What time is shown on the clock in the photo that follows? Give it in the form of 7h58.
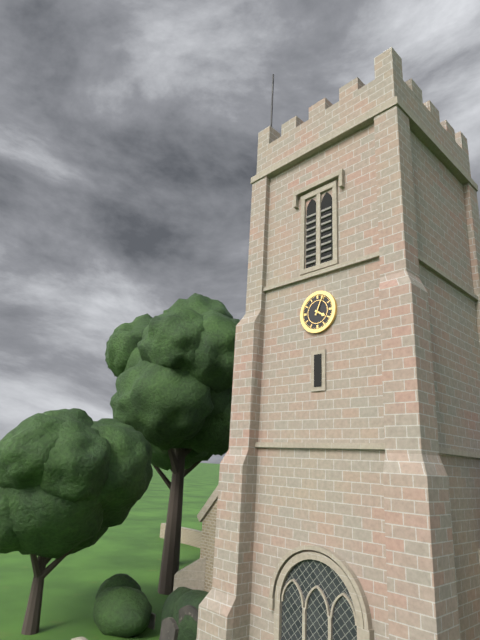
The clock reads 4h04
